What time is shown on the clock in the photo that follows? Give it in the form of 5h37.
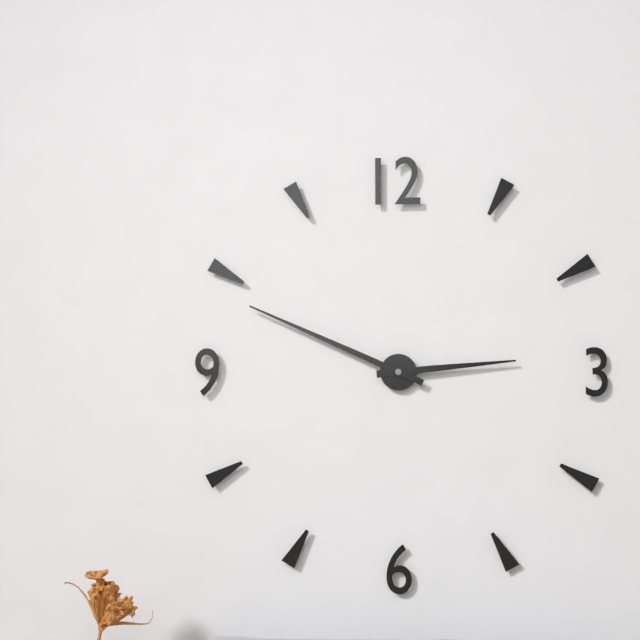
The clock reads 2h49
